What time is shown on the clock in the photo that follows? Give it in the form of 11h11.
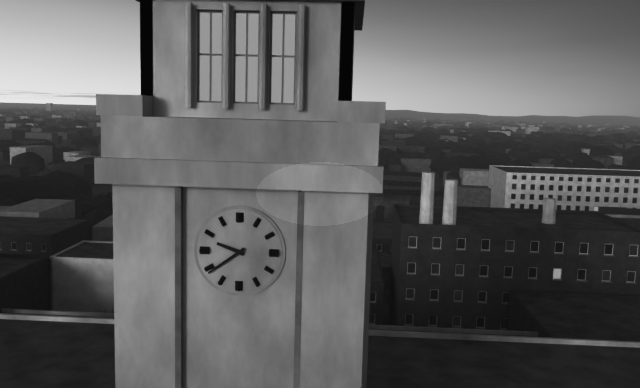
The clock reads 9h39
